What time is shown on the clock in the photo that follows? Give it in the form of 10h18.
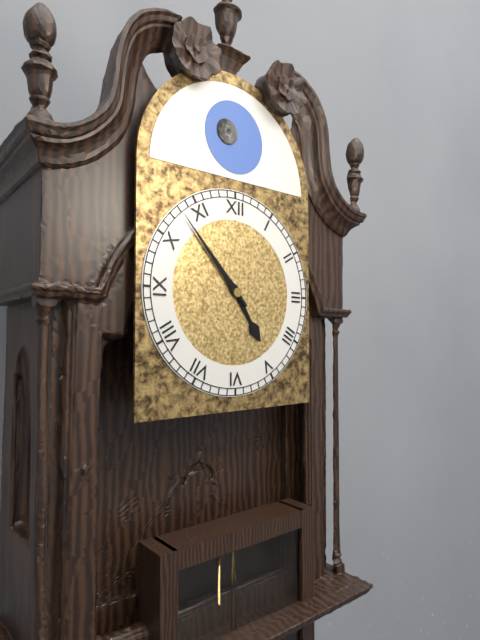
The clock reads 4h53
